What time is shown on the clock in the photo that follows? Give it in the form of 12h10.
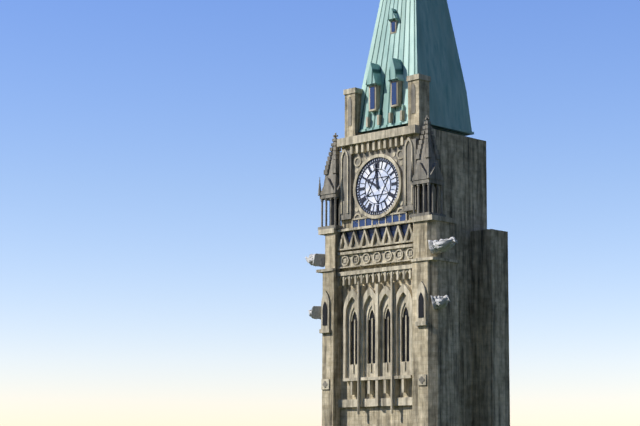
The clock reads 9h59
